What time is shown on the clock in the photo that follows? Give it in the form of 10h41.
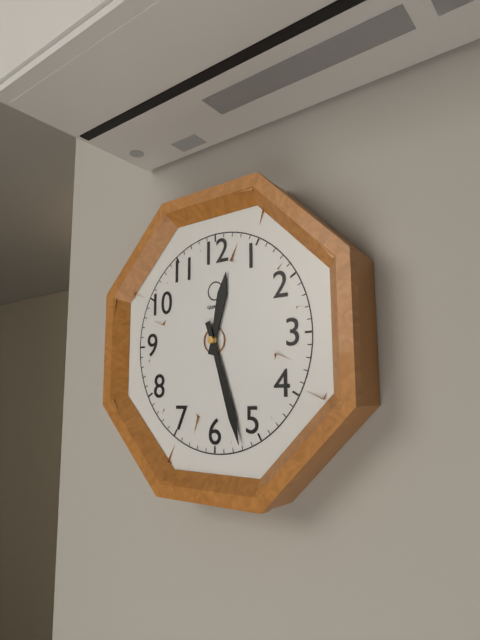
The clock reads 12h27
